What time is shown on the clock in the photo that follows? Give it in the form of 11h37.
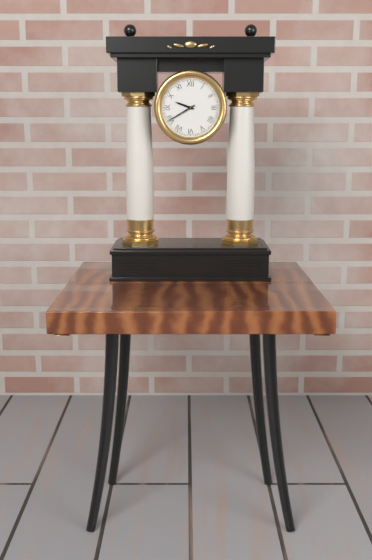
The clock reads 9h40
